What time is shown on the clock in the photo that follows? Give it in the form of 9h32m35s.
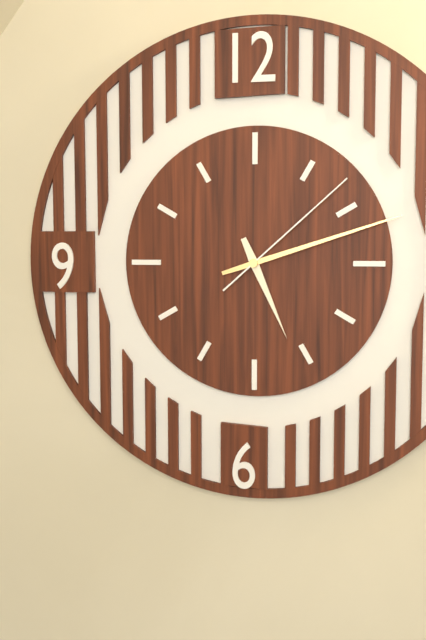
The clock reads 5h12m08s
